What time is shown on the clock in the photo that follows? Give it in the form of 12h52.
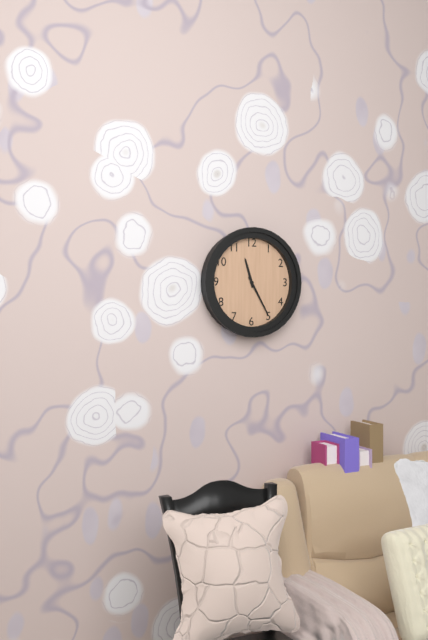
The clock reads 11h25
